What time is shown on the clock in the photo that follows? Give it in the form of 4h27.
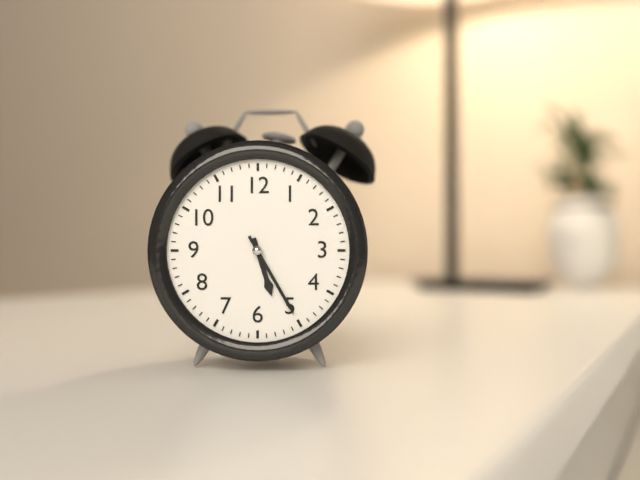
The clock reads 5h25
